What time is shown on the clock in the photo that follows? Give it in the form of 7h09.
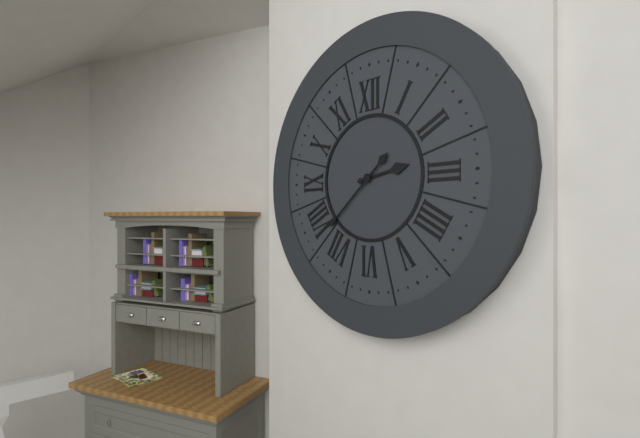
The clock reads 2h38
